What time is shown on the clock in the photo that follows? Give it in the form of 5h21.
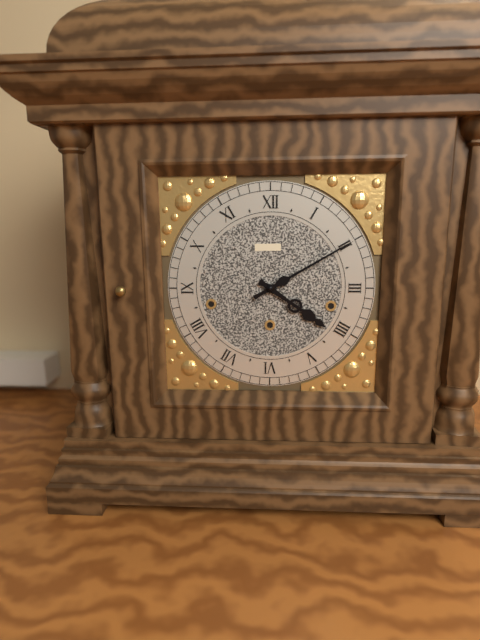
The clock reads 4h10
